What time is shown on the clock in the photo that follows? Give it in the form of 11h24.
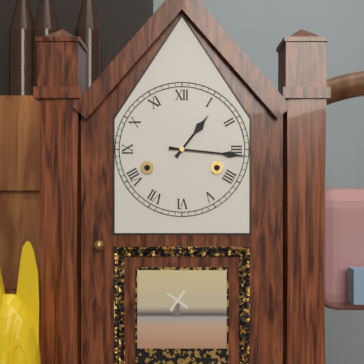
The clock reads 1h16
